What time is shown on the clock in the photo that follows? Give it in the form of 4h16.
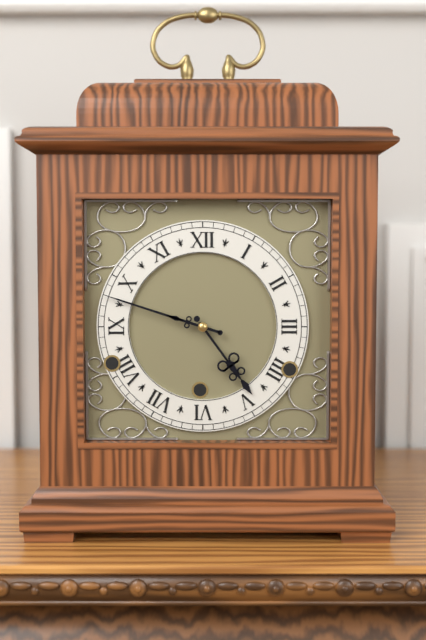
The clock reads 4h48
